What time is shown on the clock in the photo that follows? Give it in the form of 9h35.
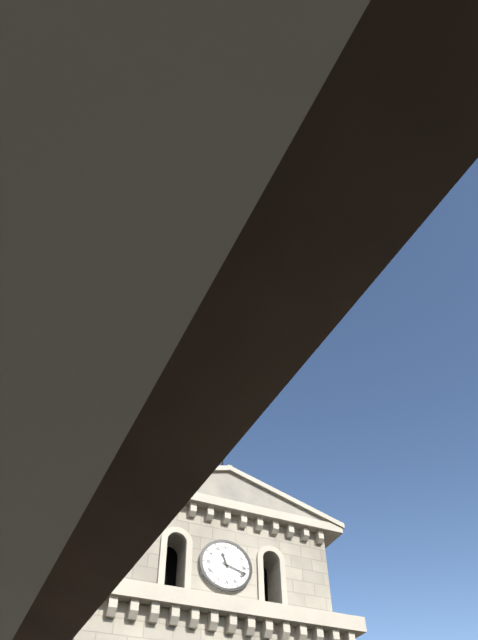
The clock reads 11h18
